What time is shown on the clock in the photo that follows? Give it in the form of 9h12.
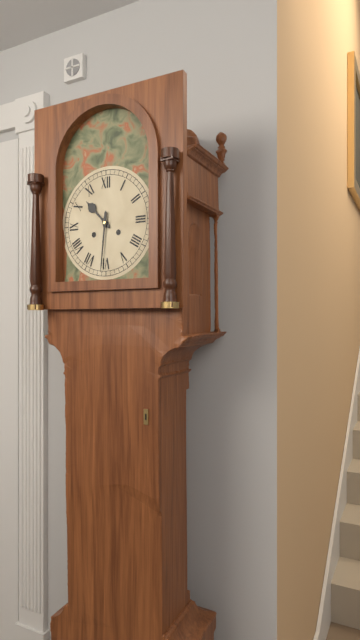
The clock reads 10h31
